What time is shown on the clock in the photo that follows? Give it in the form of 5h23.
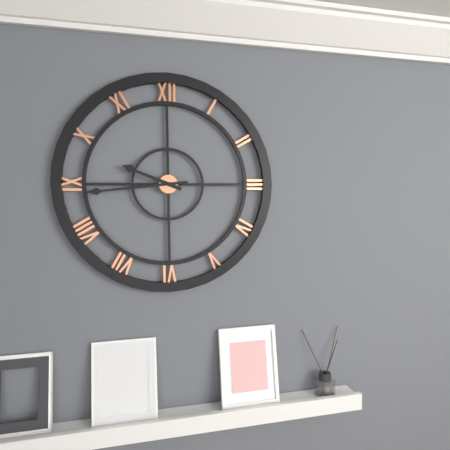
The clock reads 9h44
